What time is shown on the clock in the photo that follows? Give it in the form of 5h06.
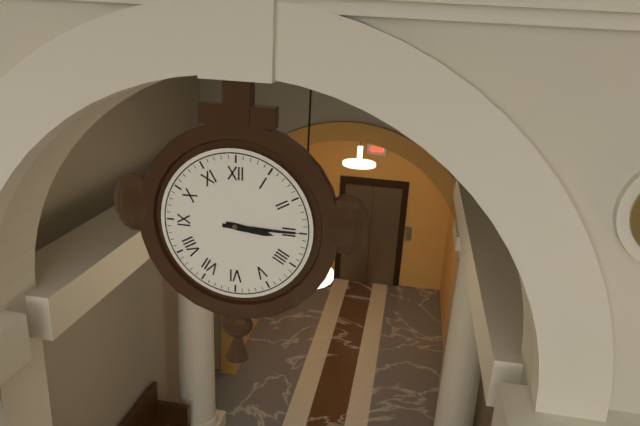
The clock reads 3h15
